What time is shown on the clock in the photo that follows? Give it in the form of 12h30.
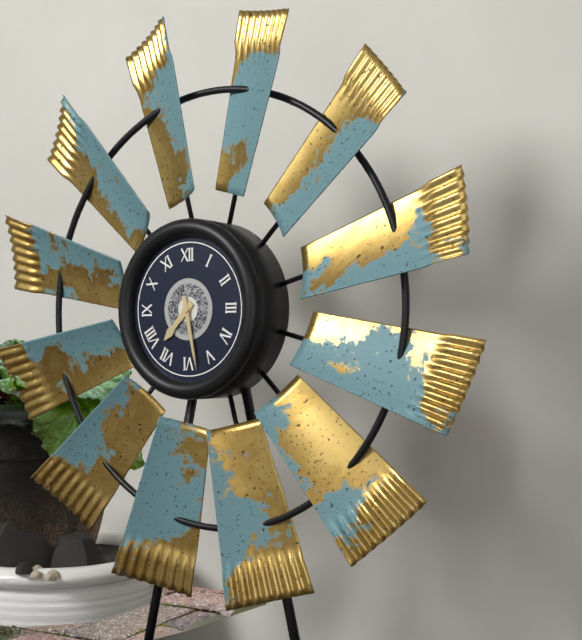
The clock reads 7h28
